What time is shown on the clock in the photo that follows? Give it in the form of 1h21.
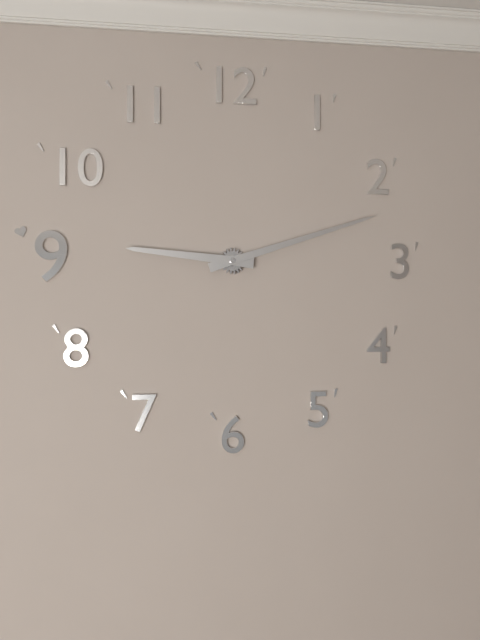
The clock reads 9h12
